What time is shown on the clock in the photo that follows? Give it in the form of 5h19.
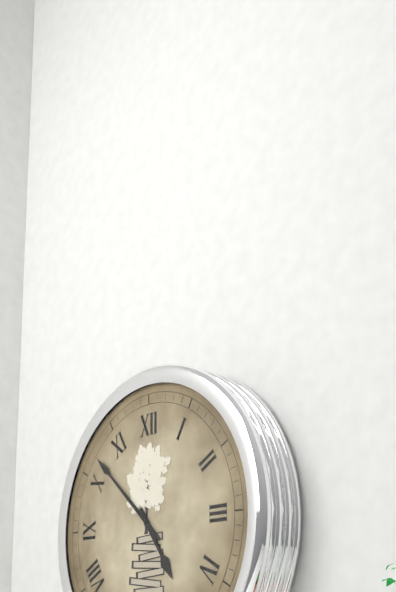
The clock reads 4h52
